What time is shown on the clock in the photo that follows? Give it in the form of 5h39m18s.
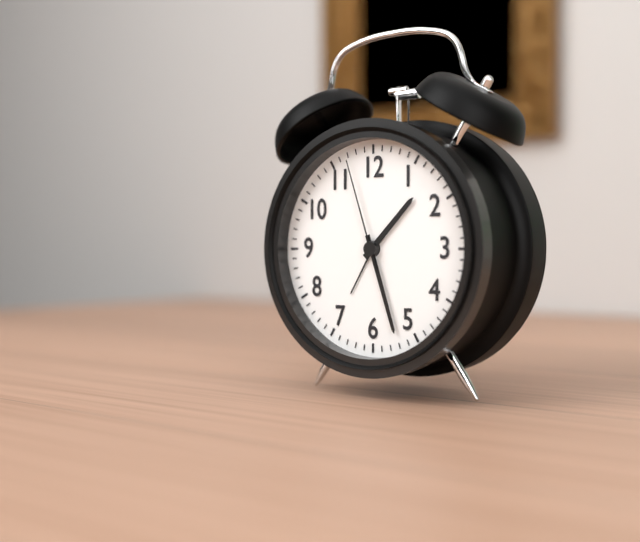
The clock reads 1h27m57s
